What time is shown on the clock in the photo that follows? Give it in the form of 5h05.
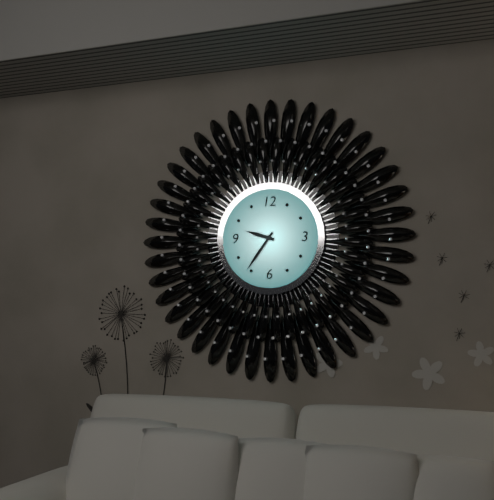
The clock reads 9h36
